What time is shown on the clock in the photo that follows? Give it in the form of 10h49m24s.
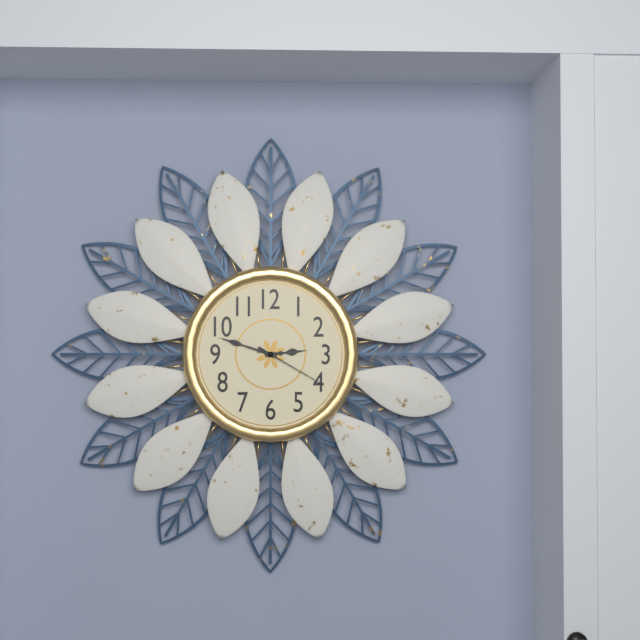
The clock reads 2h48m20s
